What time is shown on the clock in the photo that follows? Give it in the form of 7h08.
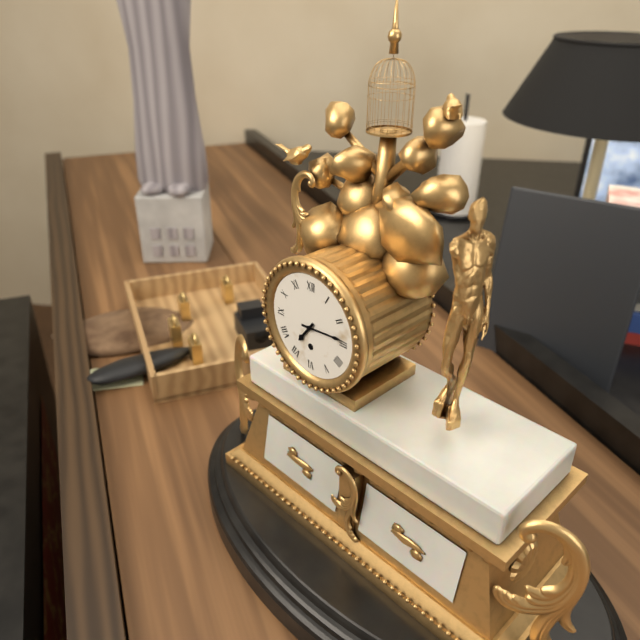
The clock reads 7h14
